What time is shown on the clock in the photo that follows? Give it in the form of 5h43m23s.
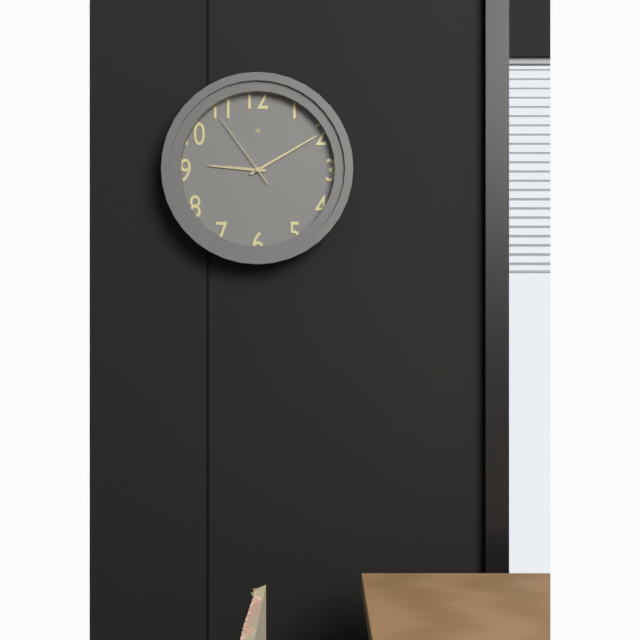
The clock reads 9h10m54s
